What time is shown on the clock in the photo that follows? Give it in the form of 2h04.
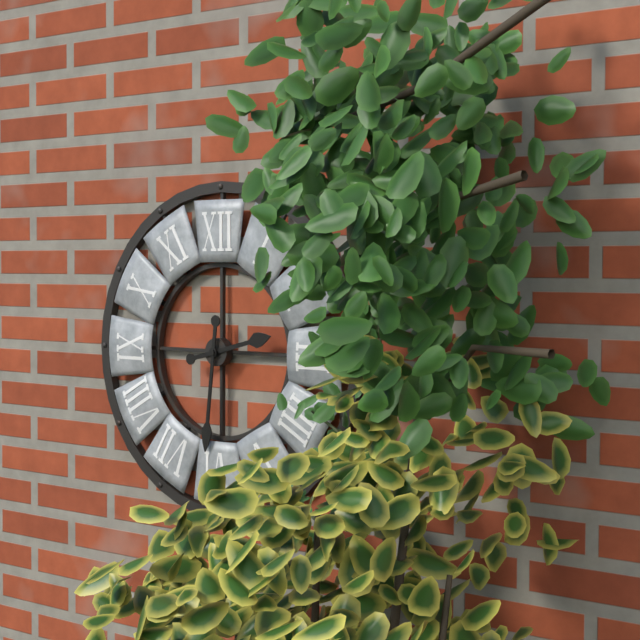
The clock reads 2h31
